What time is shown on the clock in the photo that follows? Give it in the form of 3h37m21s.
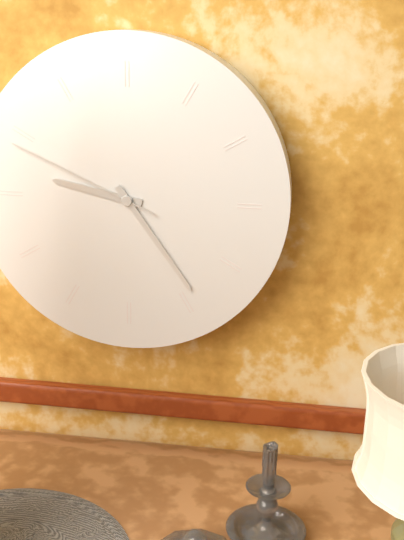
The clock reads 9h24m49s
